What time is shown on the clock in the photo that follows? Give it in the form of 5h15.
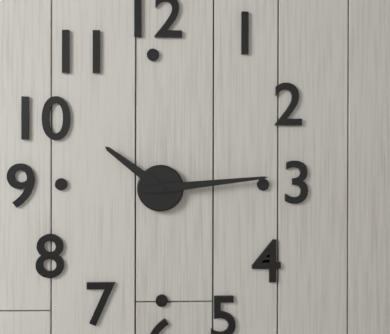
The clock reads 10h14
